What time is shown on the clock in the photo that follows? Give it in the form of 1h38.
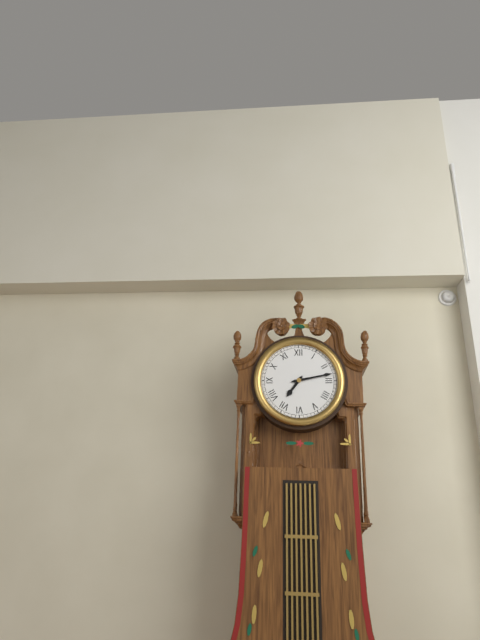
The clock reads 7h13
